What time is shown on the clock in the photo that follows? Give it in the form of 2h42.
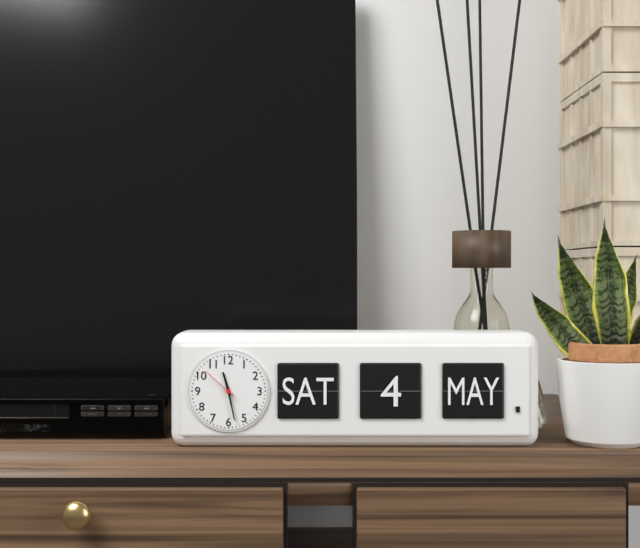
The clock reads 11h28
